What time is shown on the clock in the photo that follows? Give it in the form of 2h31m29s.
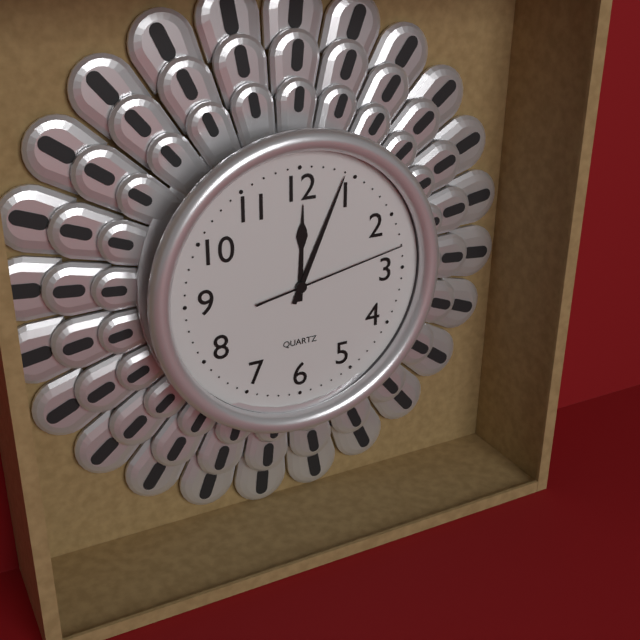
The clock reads 12h04m13s
